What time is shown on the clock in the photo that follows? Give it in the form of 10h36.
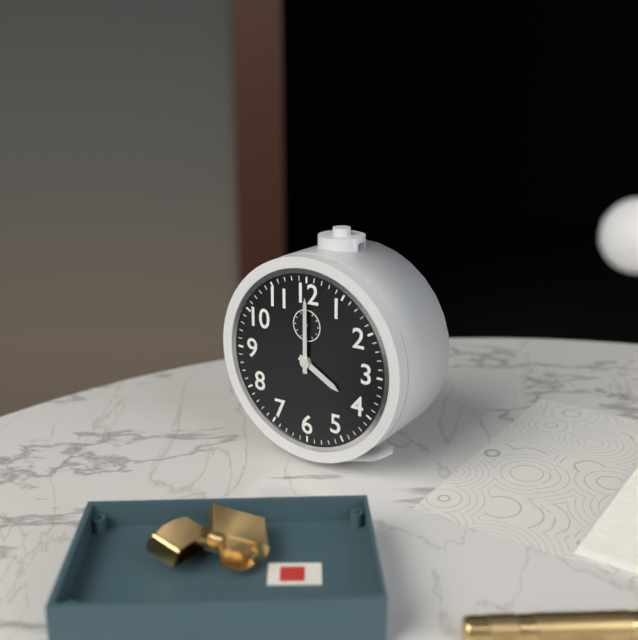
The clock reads 4h00
